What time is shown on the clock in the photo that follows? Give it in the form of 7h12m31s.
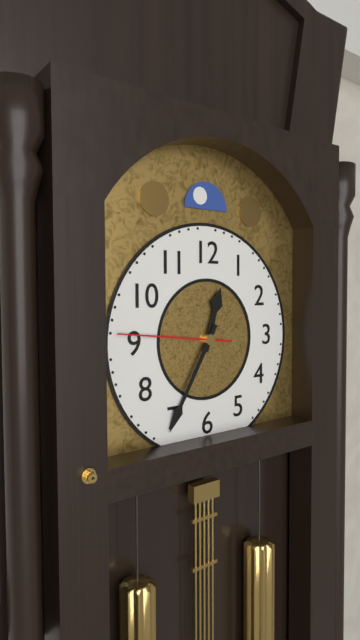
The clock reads 12h35m46s
